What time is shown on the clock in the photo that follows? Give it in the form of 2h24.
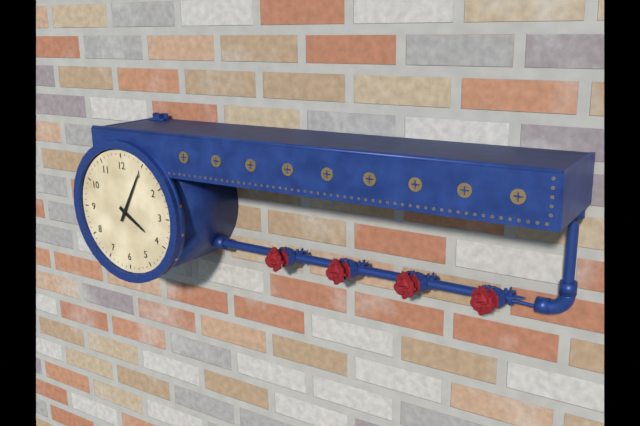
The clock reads 4h05
